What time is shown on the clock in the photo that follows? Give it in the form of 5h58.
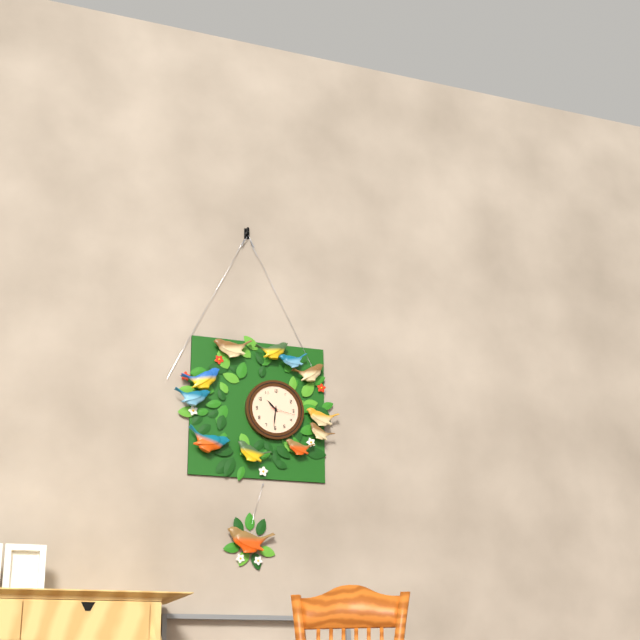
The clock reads 10h31
